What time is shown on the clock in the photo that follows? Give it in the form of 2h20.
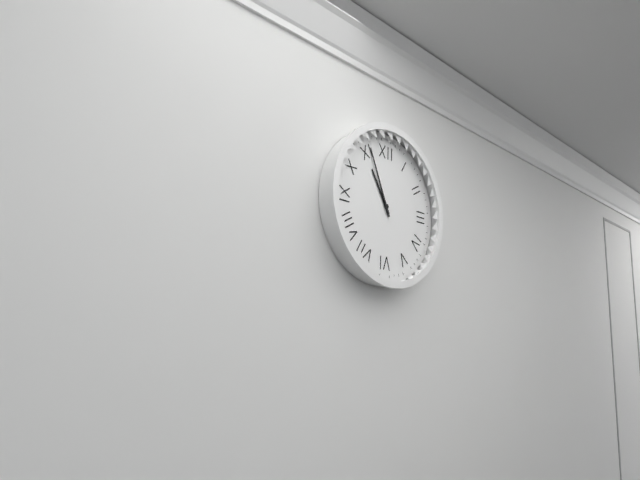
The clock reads 10h56
